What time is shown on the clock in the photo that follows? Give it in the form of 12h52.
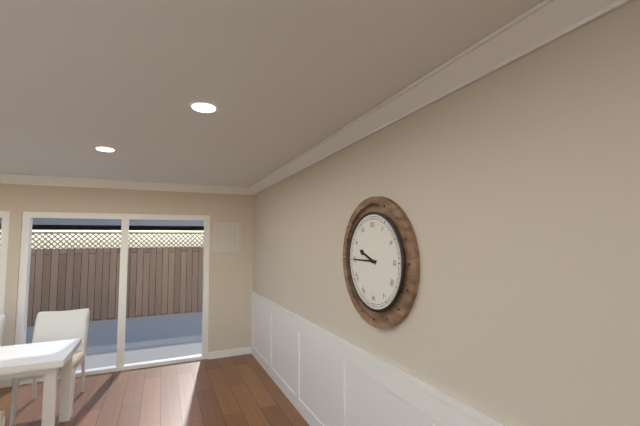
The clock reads 9h45
